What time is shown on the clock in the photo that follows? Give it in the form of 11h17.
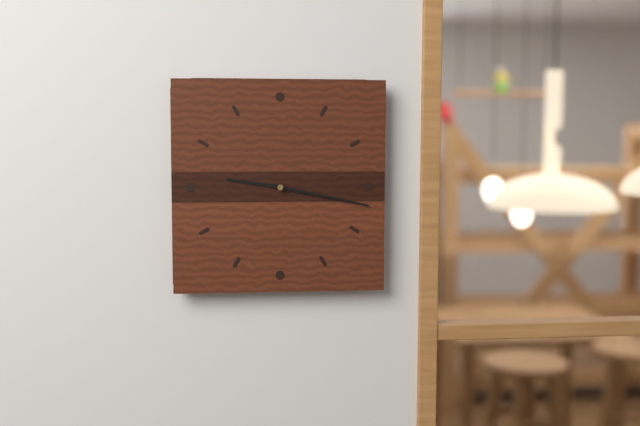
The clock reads 9h17
